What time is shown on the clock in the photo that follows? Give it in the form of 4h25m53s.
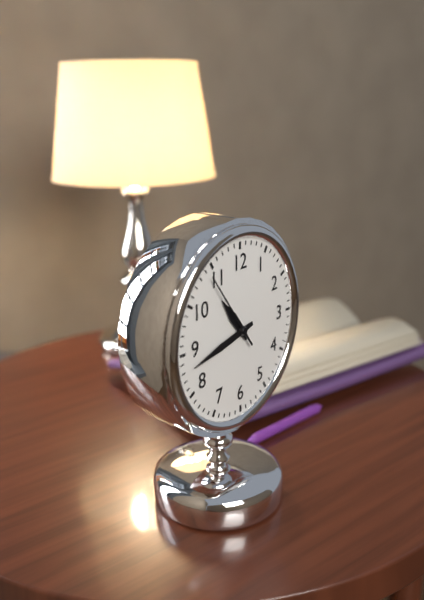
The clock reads 10h43m54s
